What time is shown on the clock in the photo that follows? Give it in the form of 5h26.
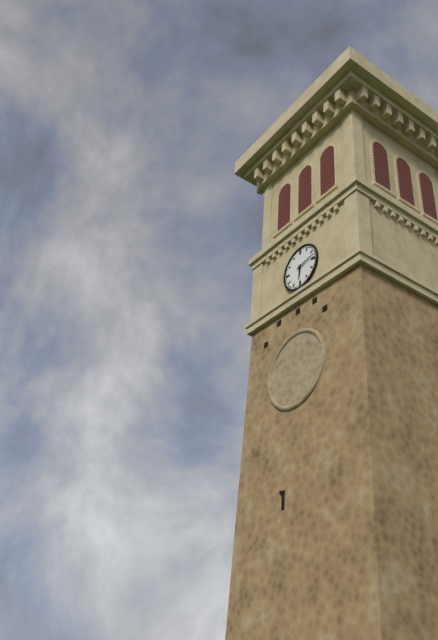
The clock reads 6h13
